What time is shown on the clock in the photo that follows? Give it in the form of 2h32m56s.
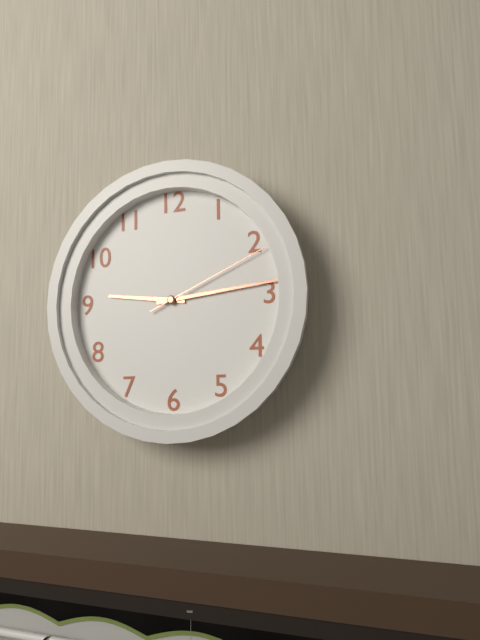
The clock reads 9h14m11s
